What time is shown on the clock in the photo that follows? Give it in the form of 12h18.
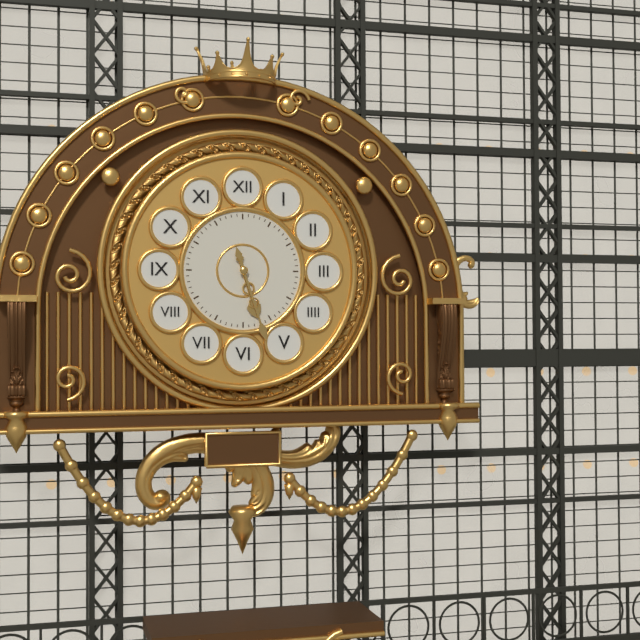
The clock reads 5h27
